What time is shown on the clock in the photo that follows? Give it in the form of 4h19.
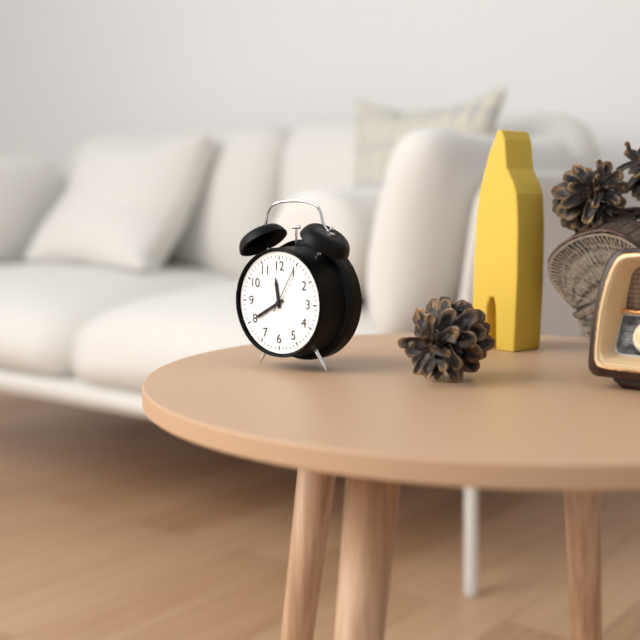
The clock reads 11h40
